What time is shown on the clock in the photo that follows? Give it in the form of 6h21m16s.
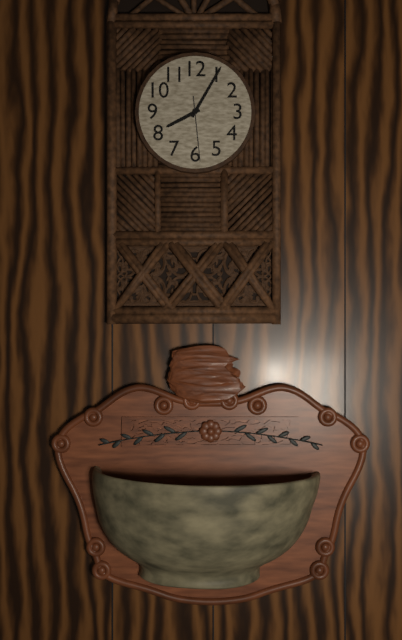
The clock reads 8h05m29s
